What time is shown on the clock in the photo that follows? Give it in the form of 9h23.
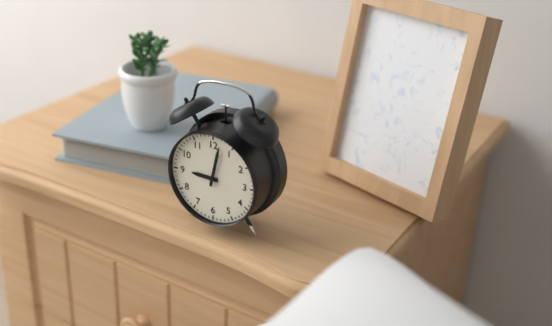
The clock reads 9h02
